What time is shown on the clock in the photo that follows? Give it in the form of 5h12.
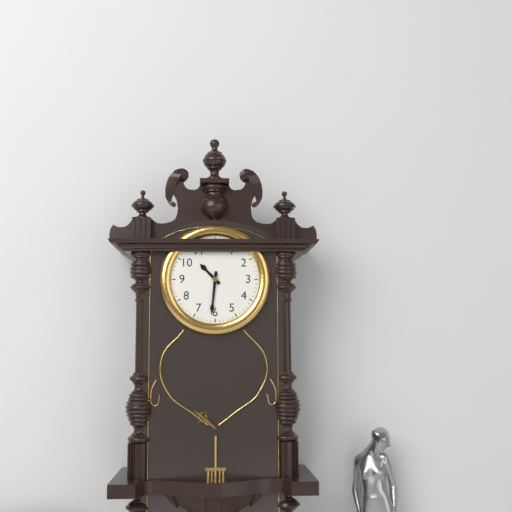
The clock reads 10h31
